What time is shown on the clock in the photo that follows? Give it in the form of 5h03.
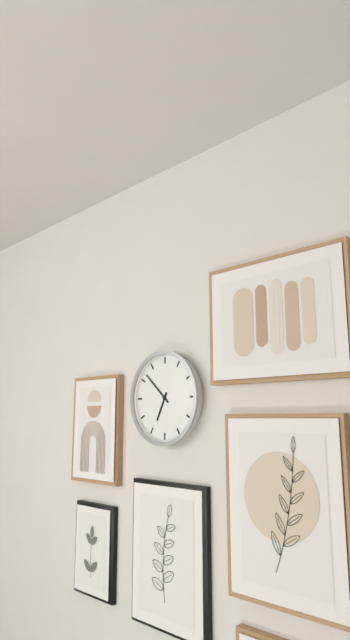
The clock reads 6h52
